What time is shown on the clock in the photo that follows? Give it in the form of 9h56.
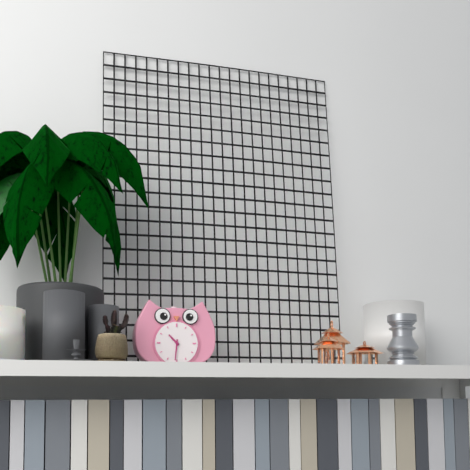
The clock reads 10h31
